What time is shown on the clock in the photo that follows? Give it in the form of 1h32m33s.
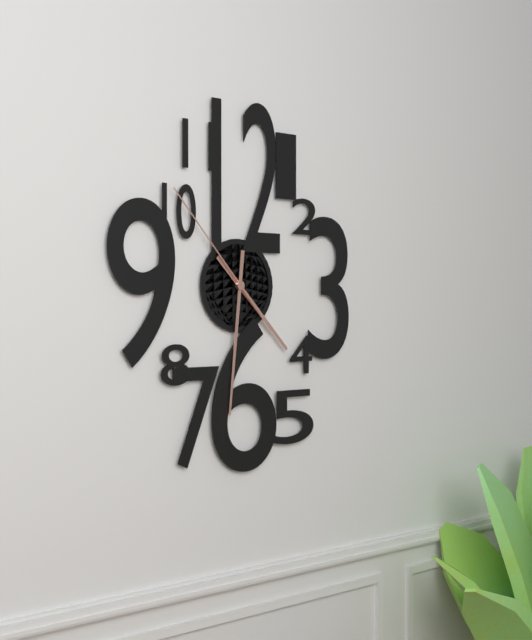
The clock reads 4h31m53s
